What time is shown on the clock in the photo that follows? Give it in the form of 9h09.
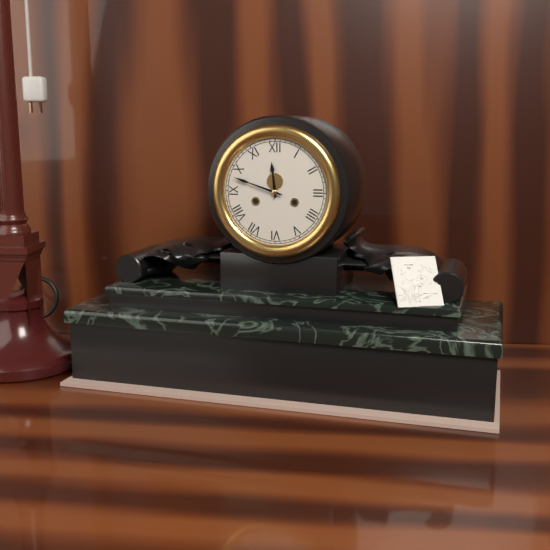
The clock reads 11h48
